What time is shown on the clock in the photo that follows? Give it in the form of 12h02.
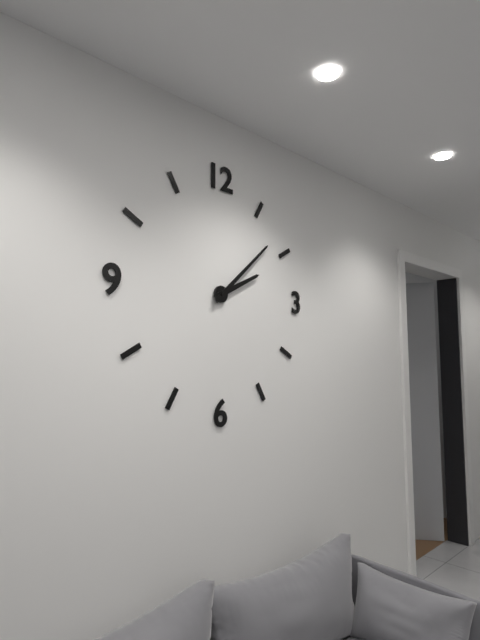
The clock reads 2h08
